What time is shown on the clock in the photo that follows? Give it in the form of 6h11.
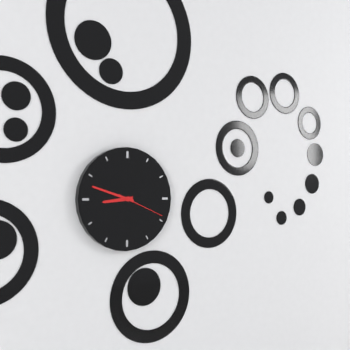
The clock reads 8h48
